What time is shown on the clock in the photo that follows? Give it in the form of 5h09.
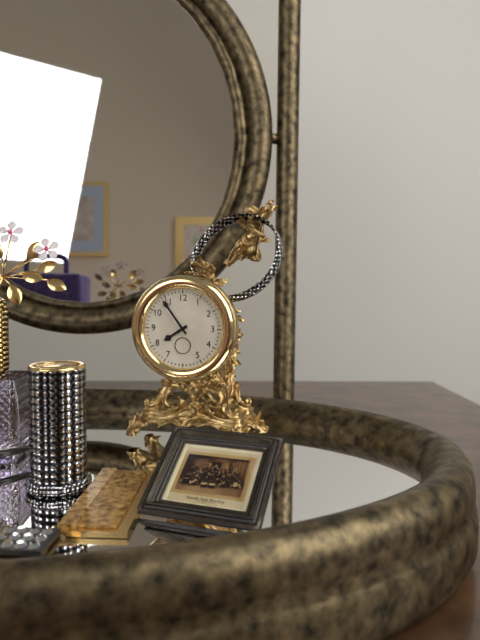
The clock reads 7h54
